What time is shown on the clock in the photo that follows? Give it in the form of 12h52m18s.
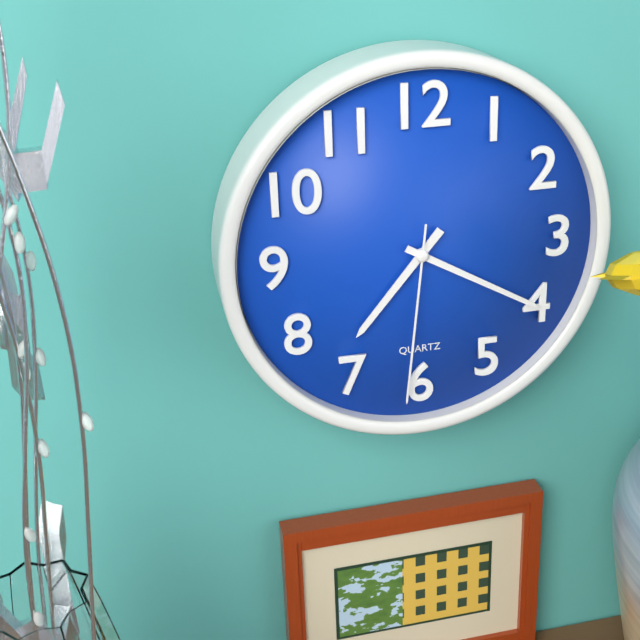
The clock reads 7h20m31s
